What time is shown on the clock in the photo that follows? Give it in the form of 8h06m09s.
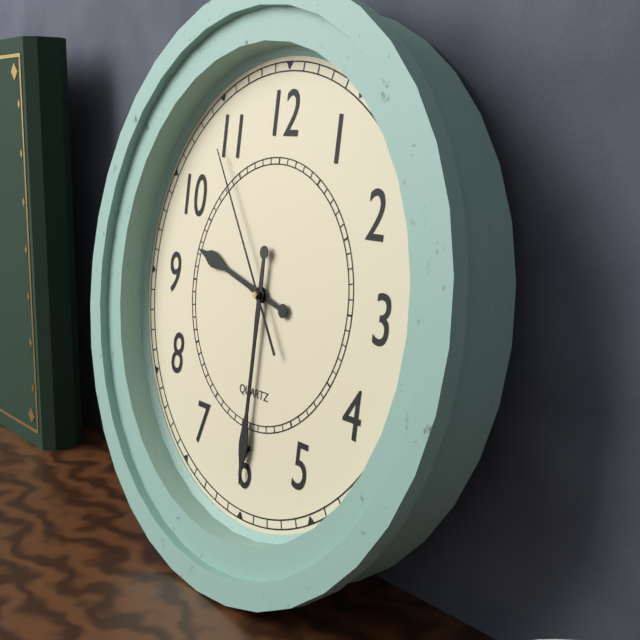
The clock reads 9h30m54s
